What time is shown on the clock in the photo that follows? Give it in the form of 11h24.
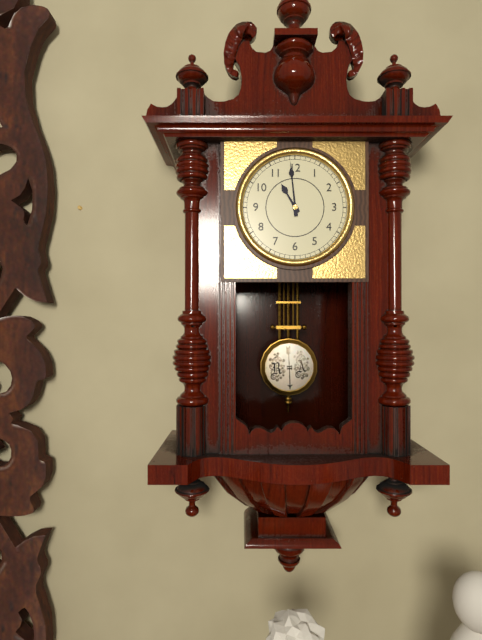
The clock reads 10h59
